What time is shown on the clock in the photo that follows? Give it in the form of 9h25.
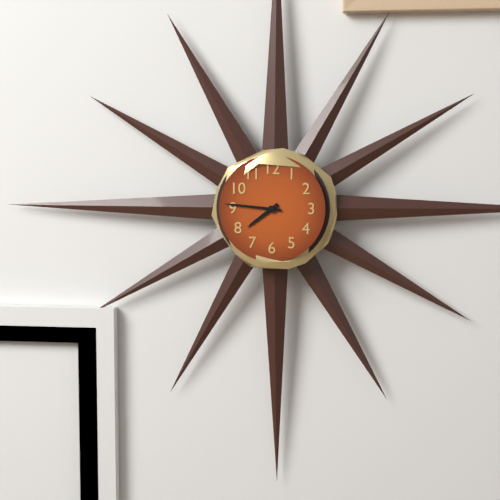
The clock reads 7h46
